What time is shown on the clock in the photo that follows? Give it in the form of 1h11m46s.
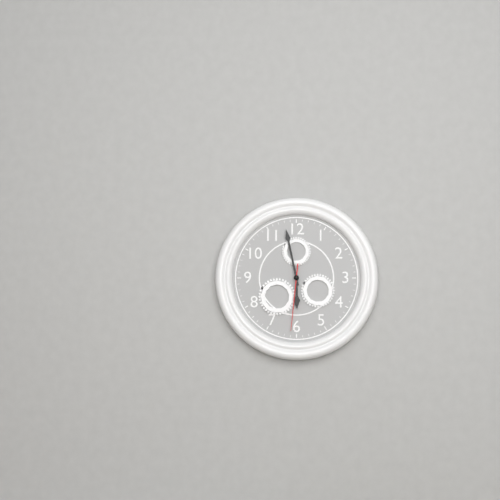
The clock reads 5h58m31s
